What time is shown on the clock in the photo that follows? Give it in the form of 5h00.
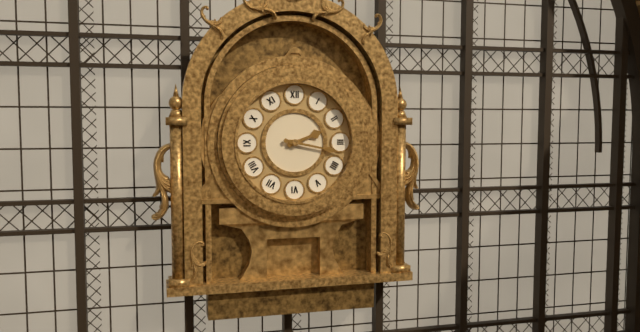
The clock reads 2h17
